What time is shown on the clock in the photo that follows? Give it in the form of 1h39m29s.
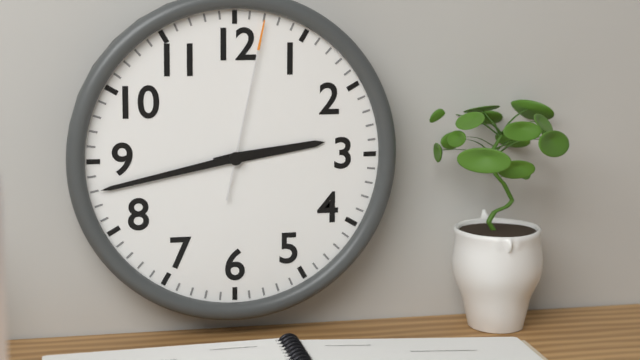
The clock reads 2h43m02s
